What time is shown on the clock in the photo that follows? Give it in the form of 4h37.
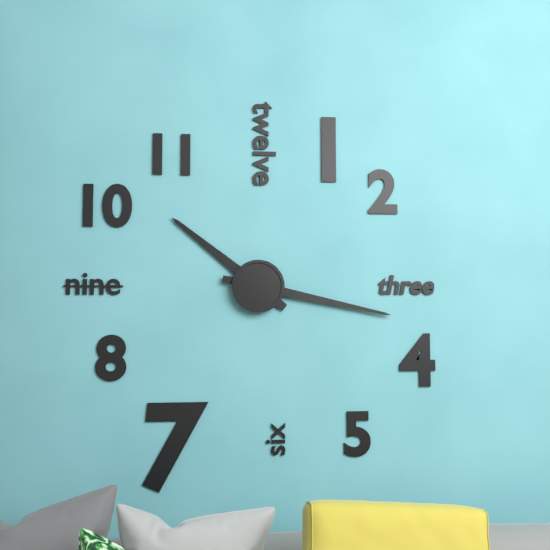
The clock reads 10h17
